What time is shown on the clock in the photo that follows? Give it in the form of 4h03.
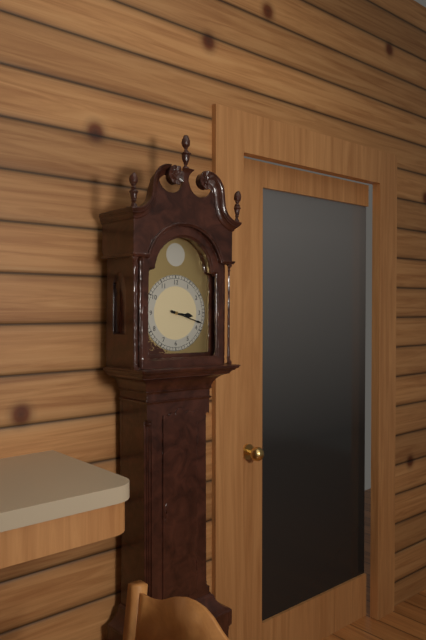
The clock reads 3h18
